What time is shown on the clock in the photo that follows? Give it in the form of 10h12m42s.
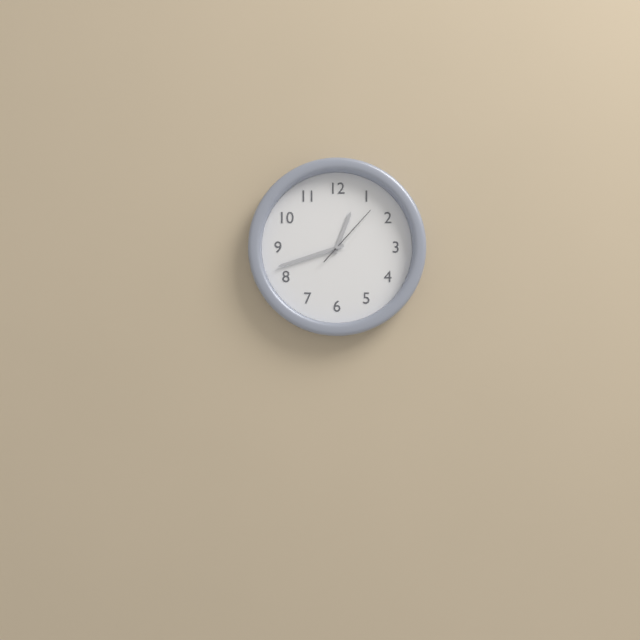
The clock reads 12h42m07s
